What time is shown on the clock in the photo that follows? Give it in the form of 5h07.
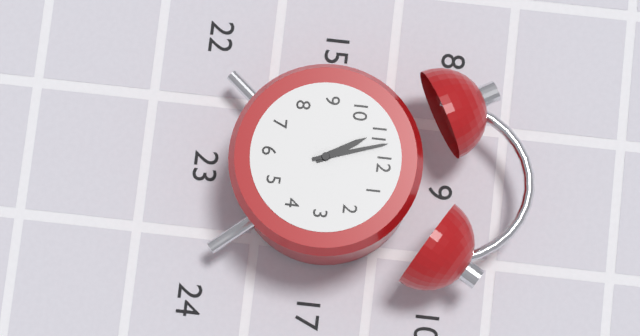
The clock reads 10h57
